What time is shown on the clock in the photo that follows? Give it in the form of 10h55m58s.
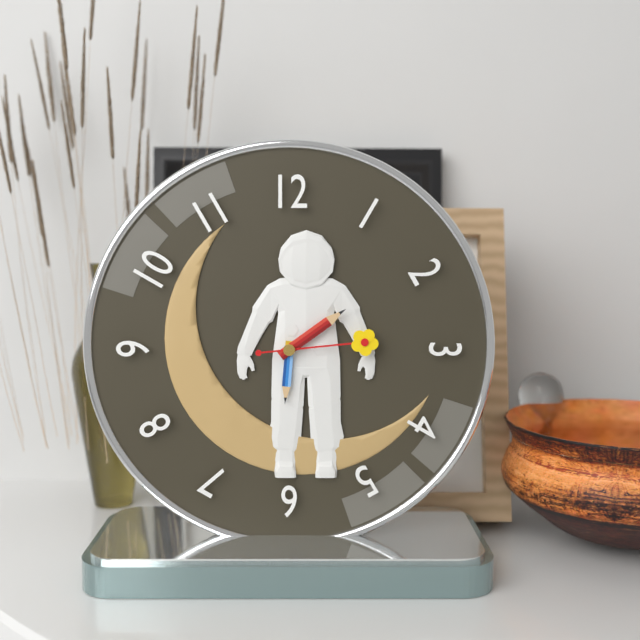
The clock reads 6h09m14s
